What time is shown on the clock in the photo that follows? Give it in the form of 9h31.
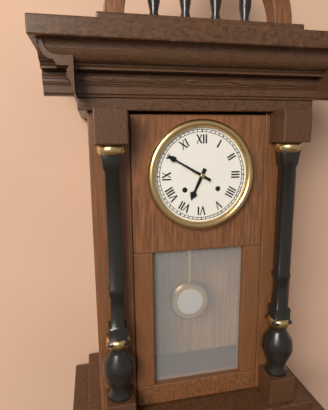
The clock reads 6h50
